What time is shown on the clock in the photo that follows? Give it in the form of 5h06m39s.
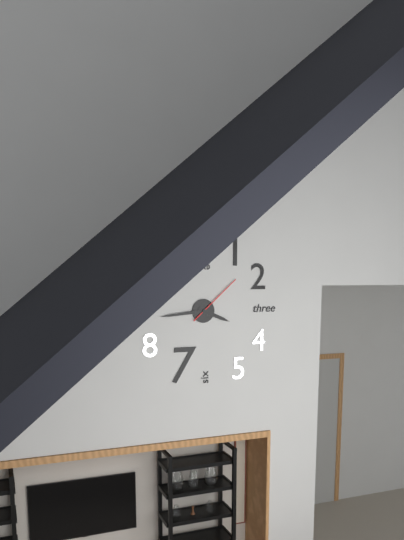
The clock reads 3h44m08s
